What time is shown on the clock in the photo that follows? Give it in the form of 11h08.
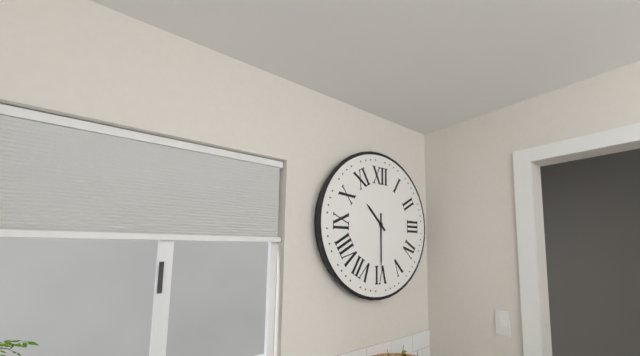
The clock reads 10h30
